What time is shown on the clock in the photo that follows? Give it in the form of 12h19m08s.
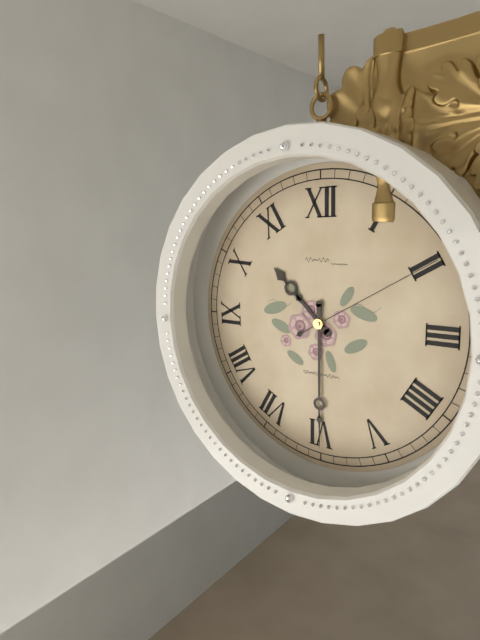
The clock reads 10h30m10s
